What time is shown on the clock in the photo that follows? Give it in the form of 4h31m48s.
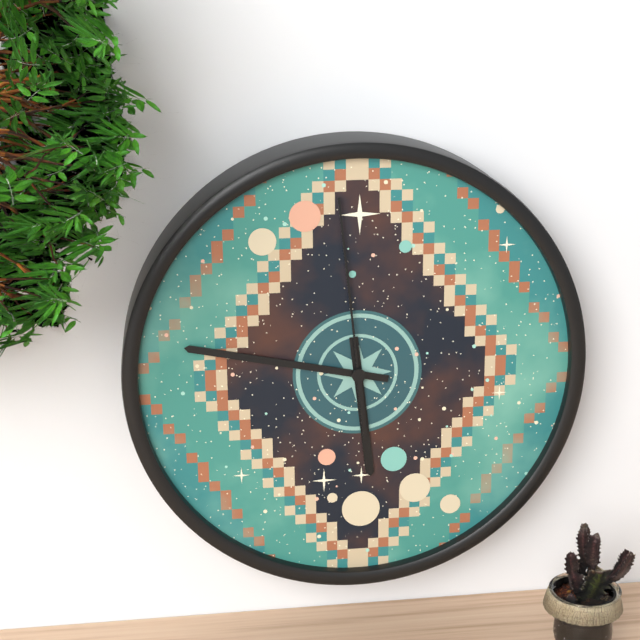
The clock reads 5h47m59s
